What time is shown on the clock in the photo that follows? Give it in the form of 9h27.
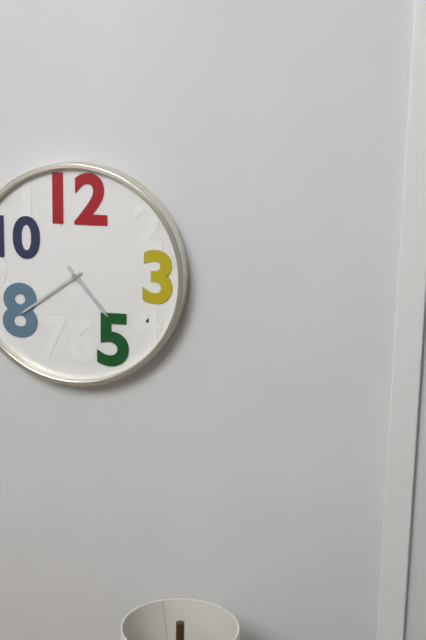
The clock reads 4h39
